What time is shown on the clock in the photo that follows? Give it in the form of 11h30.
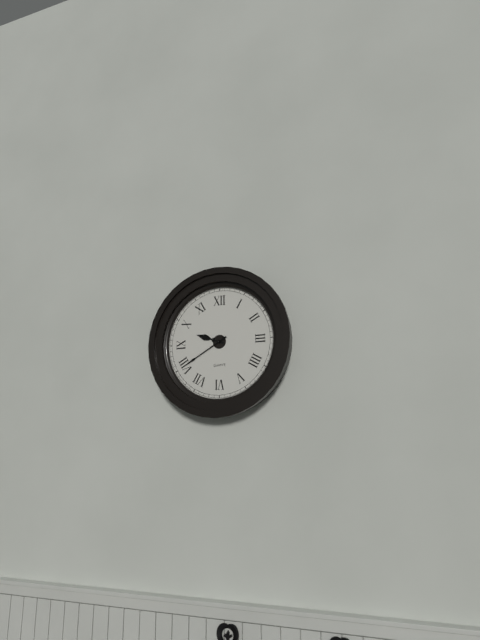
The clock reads 9h40
